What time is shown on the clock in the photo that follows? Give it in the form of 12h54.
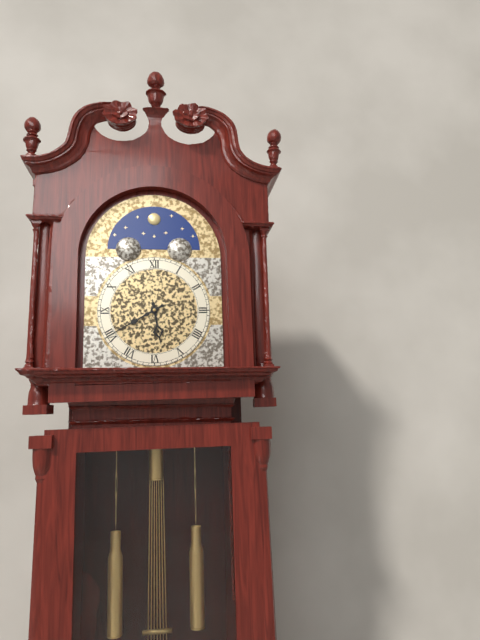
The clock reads 5h40
